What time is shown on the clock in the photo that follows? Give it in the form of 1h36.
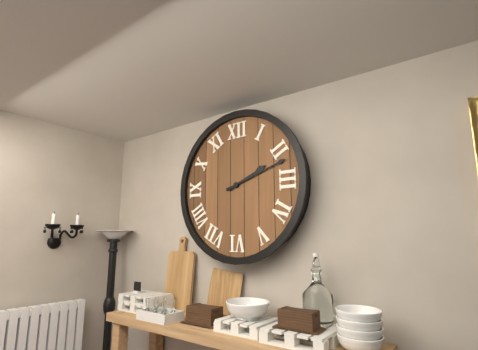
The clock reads 2h12
